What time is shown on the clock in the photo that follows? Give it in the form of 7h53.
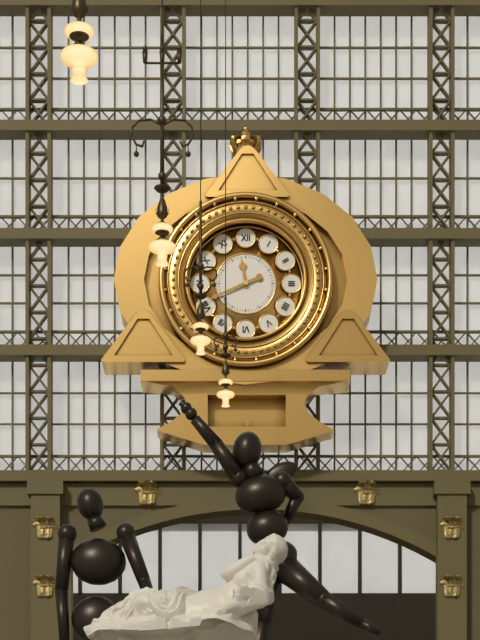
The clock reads 11h41
